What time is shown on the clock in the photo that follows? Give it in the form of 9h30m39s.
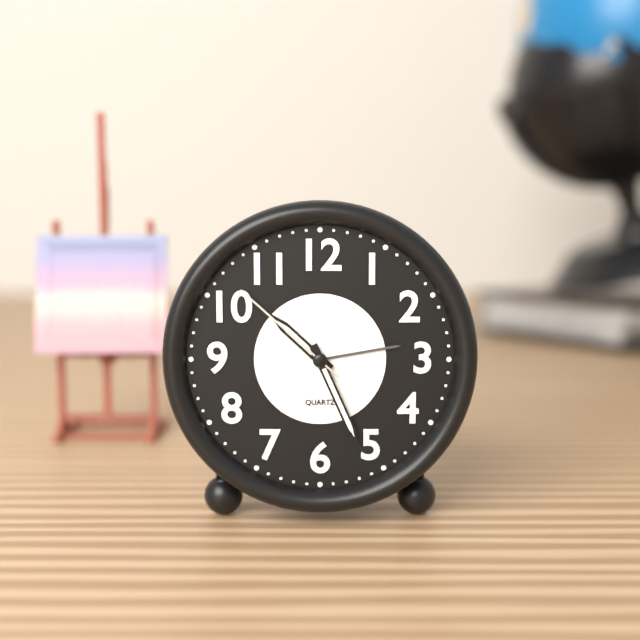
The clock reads 10h26m52s
